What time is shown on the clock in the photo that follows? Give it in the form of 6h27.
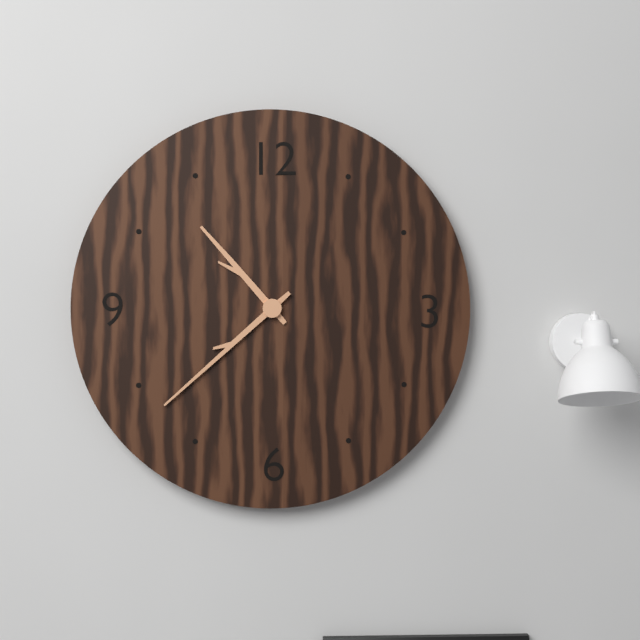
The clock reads 10h38
